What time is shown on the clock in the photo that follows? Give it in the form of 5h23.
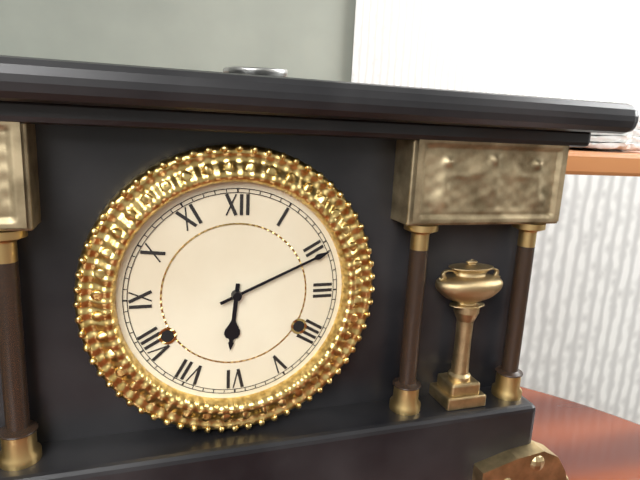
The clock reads 6h11
